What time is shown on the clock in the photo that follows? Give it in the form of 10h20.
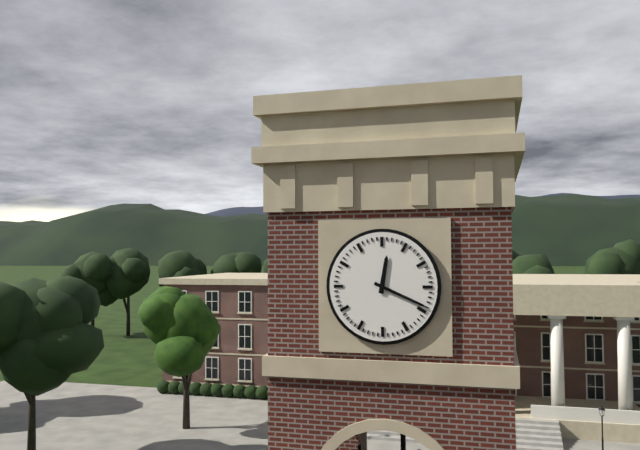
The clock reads 12h19
